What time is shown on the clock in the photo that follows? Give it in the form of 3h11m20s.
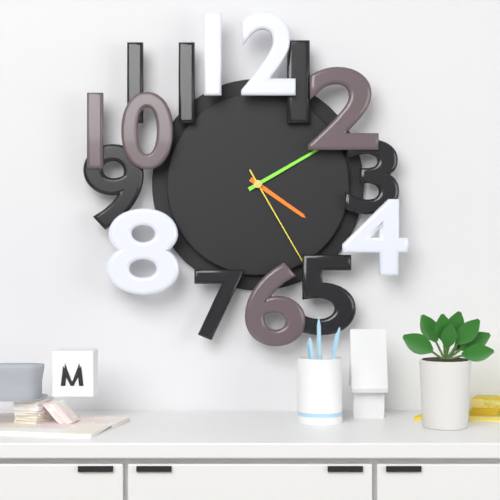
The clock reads 4h10m25s
